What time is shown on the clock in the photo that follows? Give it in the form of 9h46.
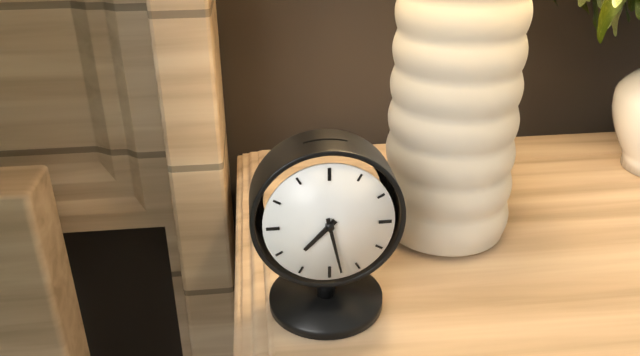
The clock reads 7h28
